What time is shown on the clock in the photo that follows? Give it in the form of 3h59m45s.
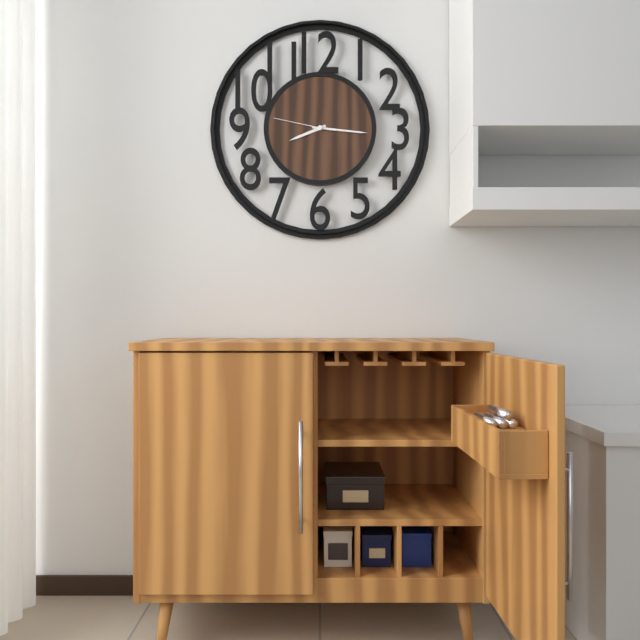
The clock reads 8h16m47s
